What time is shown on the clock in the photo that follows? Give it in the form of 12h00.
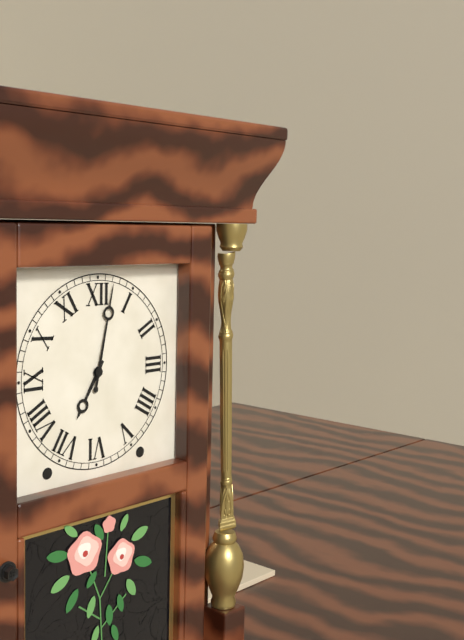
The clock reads 7h02
